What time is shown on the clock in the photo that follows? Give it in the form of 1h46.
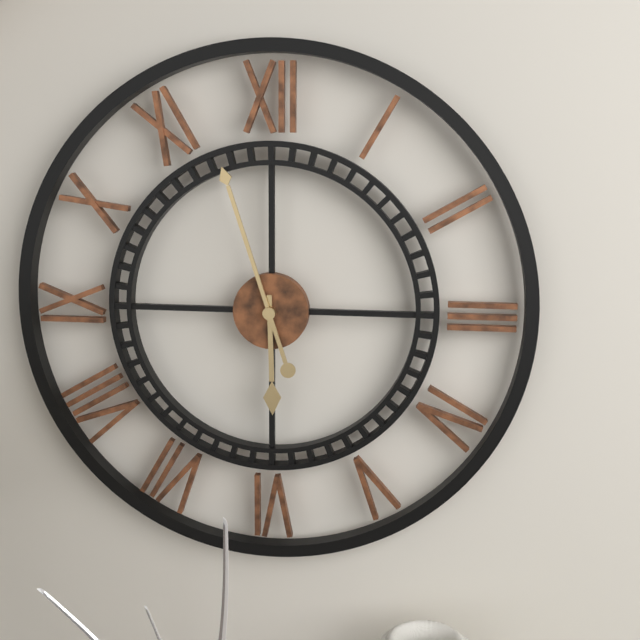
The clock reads 5h57
